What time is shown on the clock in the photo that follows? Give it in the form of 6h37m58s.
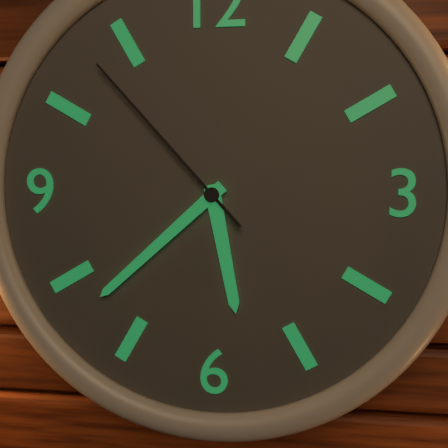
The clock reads 5h38m53s
